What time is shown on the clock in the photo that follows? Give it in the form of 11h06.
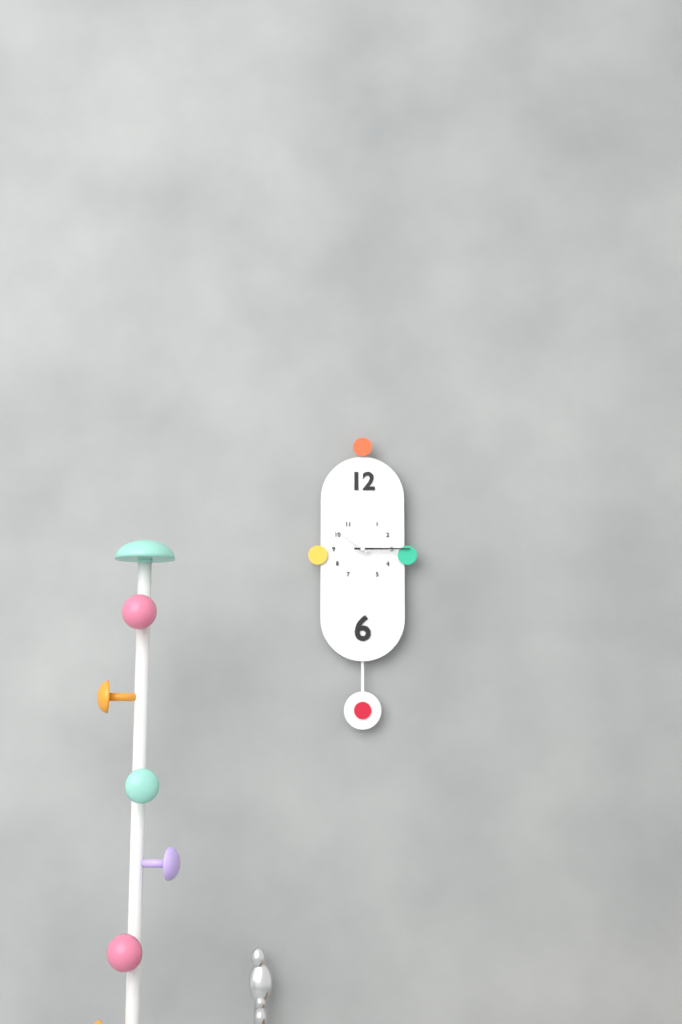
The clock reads 10h15
